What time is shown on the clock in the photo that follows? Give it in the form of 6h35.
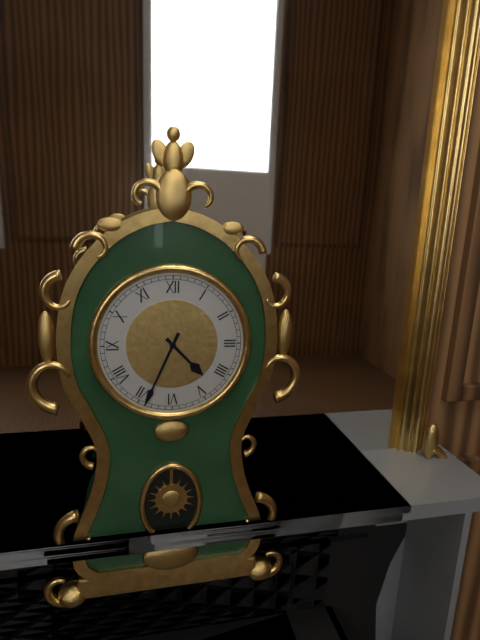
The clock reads 4h34
